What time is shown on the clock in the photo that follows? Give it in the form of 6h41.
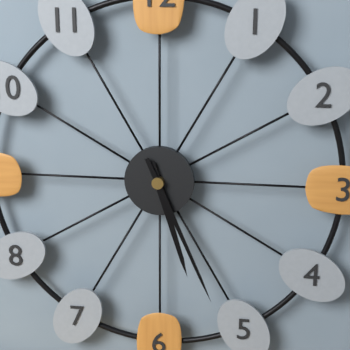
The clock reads 5h26
